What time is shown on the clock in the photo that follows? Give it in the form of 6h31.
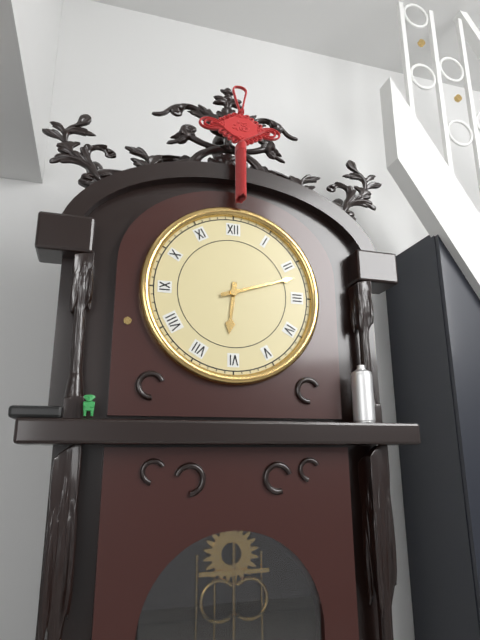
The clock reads 6h12
